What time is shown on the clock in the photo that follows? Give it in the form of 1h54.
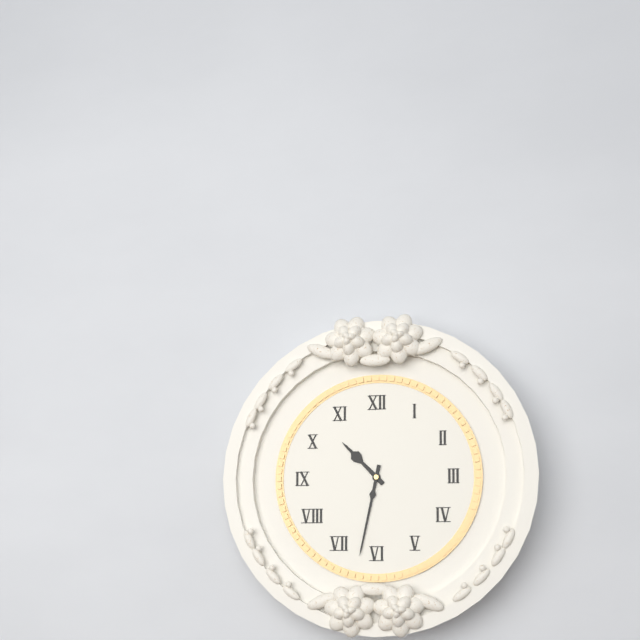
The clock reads 10h32
